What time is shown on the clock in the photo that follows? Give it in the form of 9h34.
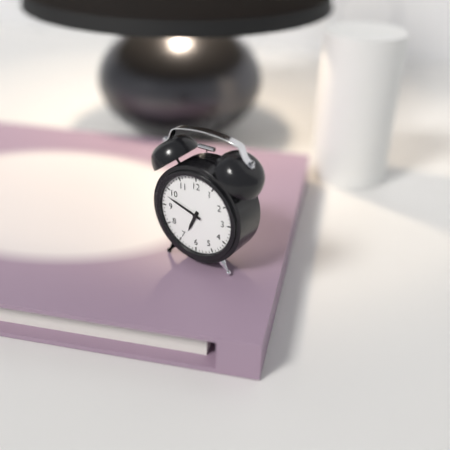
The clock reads 6h48
